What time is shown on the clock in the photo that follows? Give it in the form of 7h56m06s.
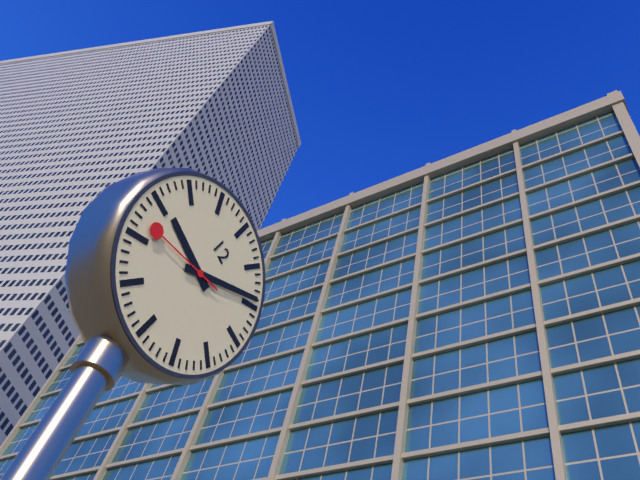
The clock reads 9h09m42s
